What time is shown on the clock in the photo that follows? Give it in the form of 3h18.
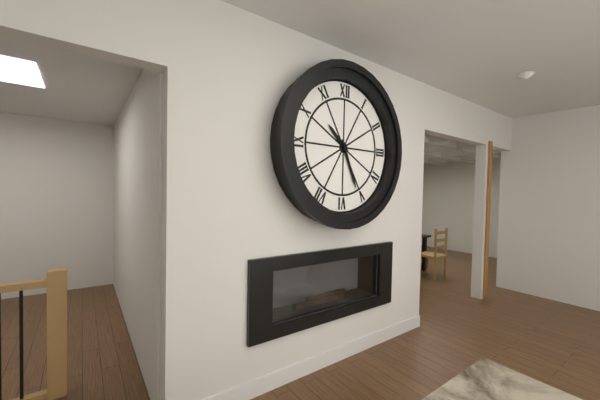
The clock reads 10h26
